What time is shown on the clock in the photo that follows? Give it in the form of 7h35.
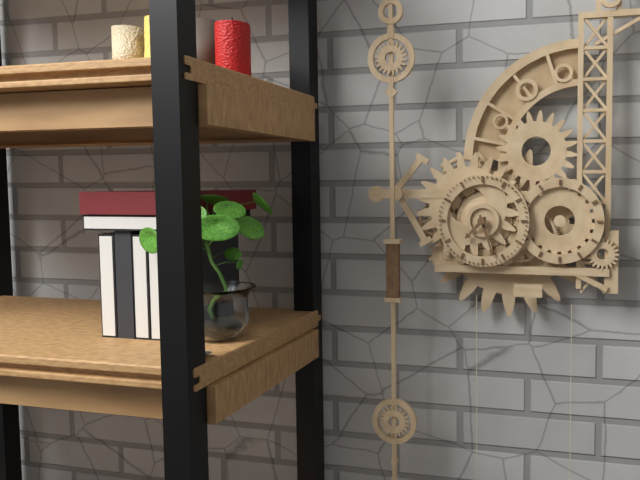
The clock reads 7h27
